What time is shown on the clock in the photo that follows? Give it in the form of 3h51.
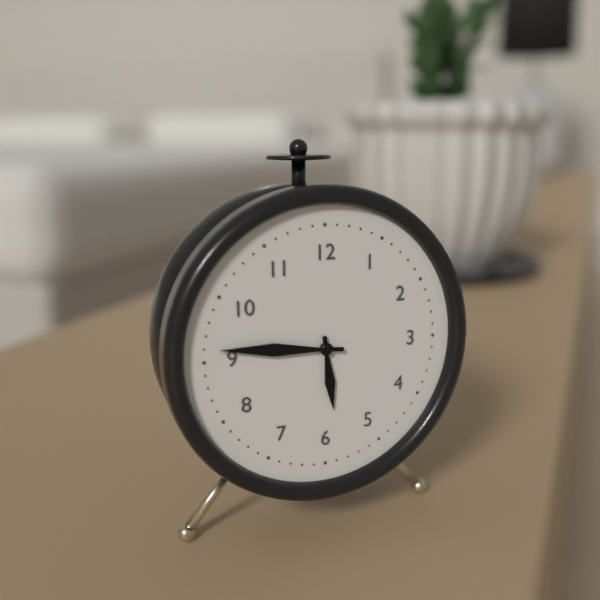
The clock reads 5h46
